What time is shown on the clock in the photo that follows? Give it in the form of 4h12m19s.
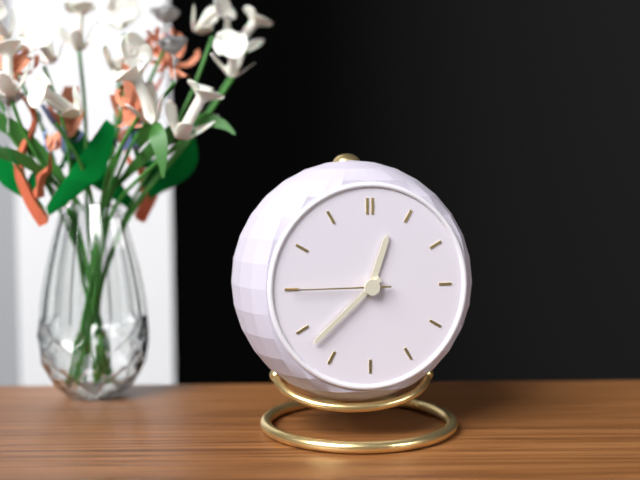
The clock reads 12h38m45s
